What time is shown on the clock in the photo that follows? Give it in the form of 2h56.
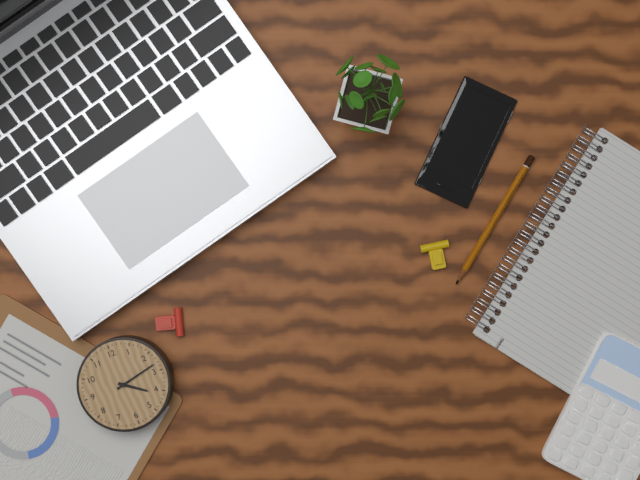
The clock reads 4h13
